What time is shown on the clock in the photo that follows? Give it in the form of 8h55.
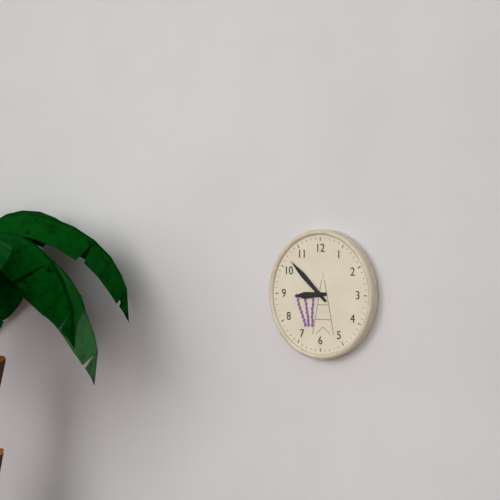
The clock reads 8h52
